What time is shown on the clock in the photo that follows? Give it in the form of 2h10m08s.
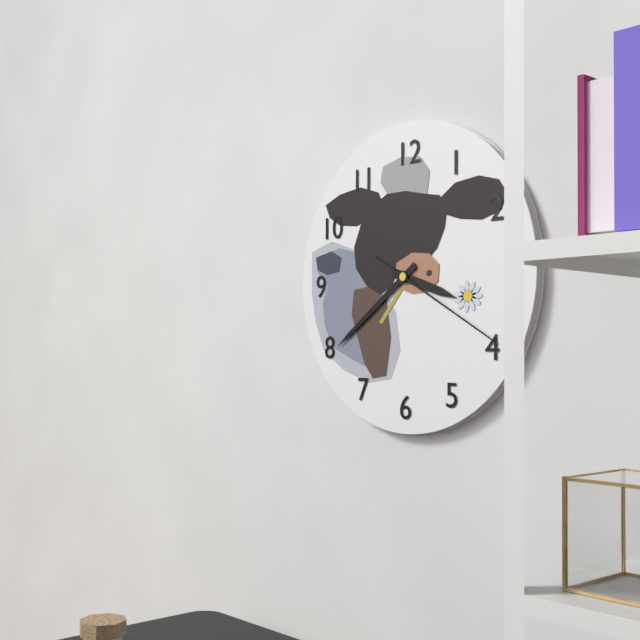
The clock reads 3h39m20s
